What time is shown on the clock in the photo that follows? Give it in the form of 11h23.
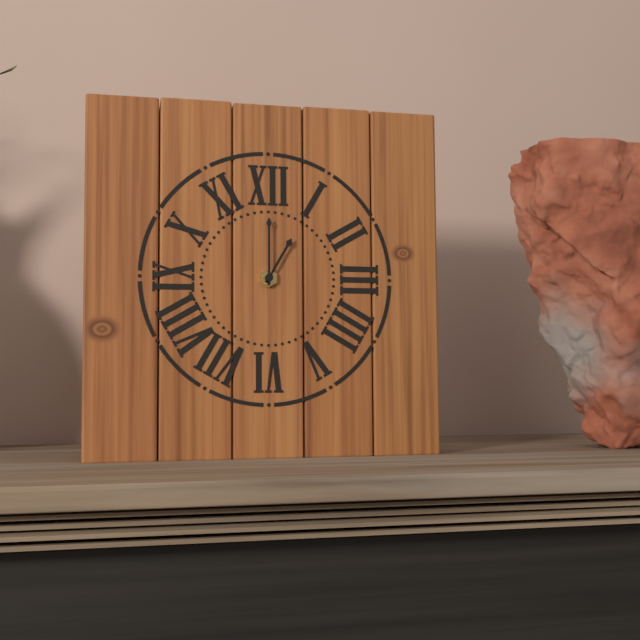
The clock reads 1h00
